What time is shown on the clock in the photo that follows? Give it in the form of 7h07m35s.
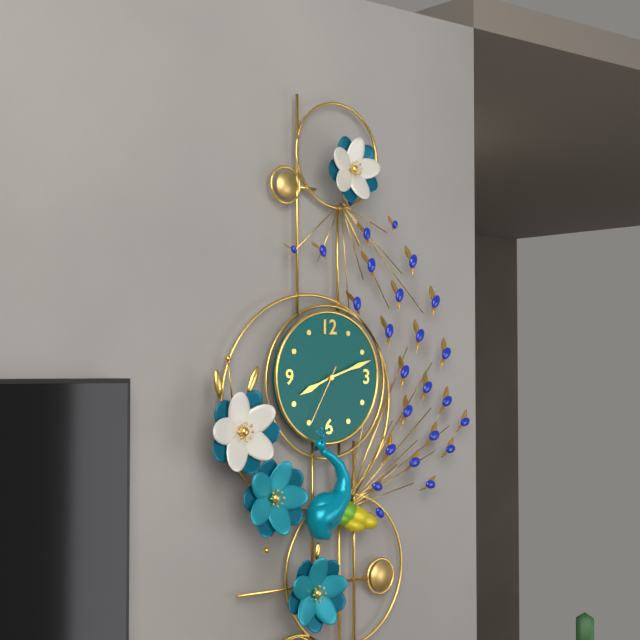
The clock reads 8h12m35s
